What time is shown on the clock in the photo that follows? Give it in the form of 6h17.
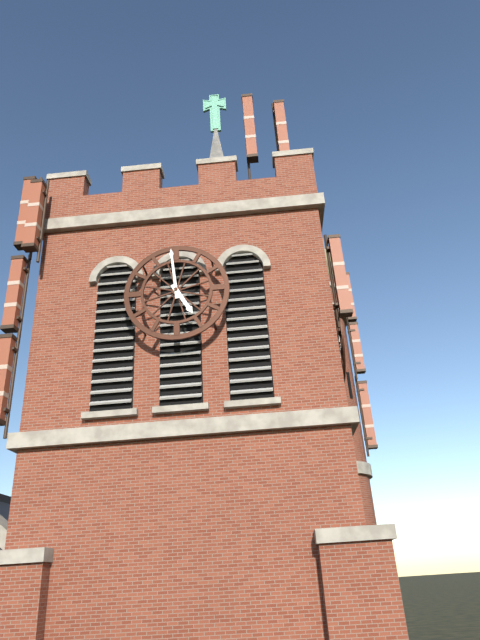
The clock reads 4h59
